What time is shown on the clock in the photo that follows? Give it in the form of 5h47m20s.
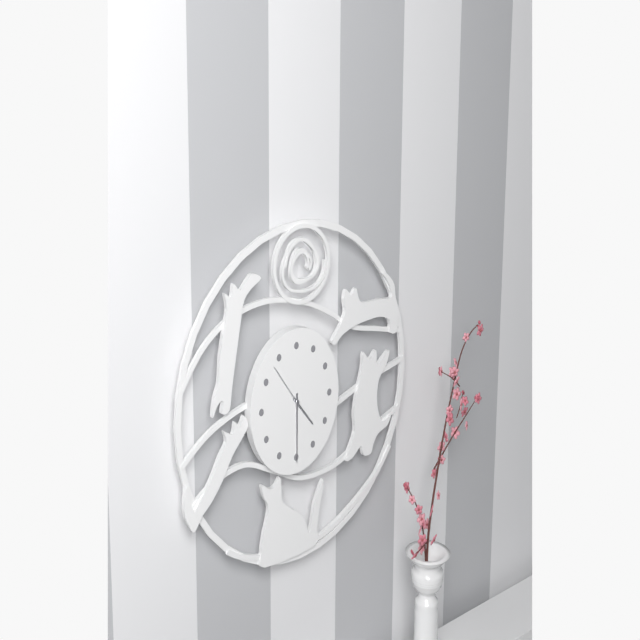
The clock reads 4h30m53s
